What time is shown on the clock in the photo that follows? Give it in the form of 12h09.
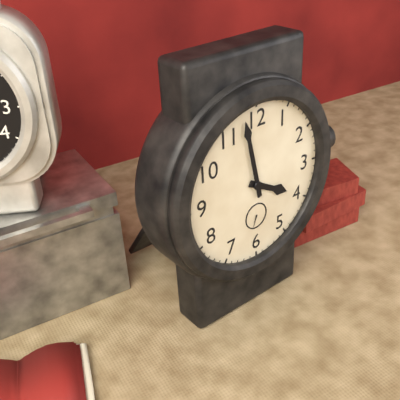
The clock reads 3h58
